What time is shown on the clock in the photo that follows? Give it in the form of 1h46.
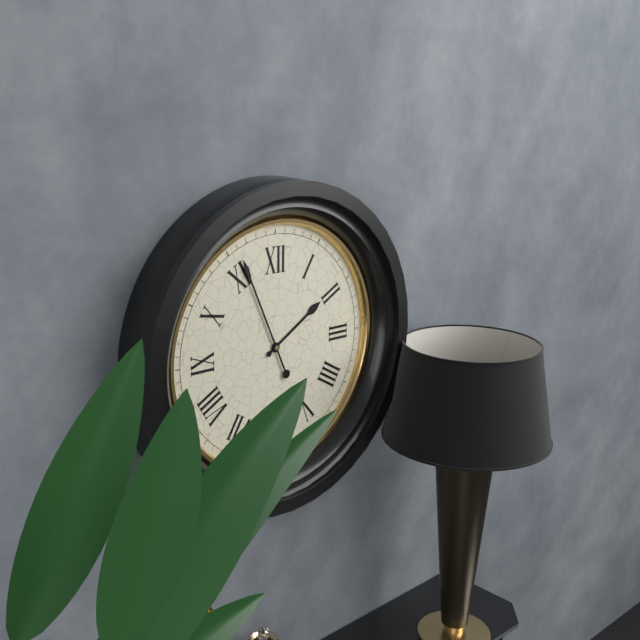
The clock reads 1h56
